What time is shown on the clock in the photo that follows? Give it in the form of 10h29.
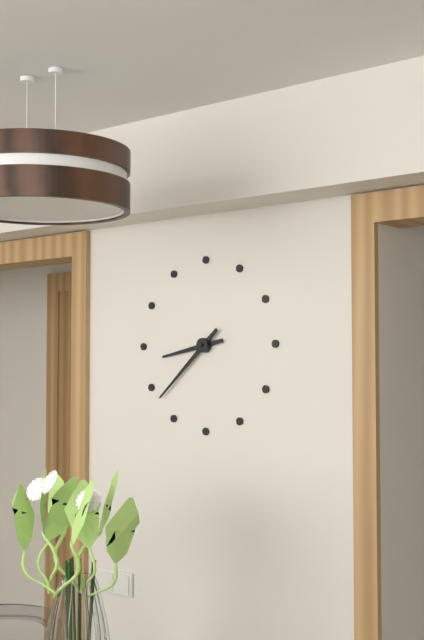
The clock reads 8h38
